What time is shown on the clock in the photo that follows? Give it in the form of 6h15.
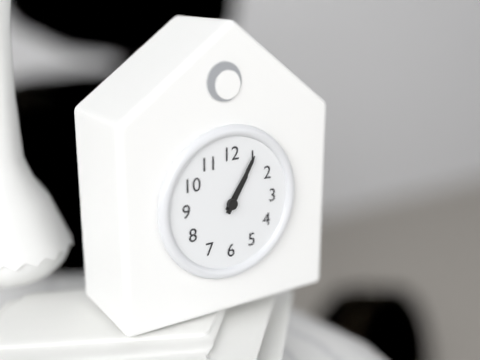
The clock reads 1h05
